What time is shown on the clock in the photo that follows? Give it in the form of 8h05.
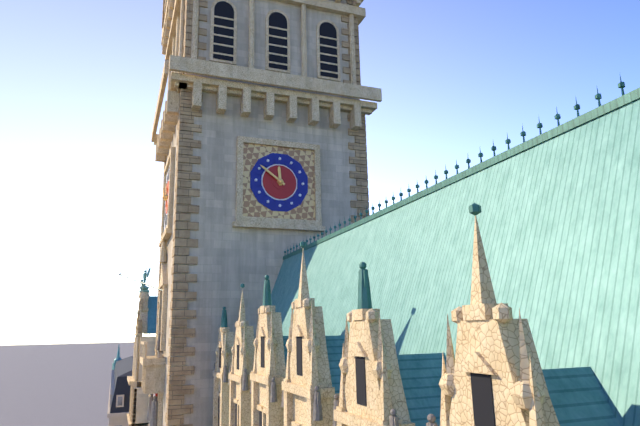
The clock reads 11h51
